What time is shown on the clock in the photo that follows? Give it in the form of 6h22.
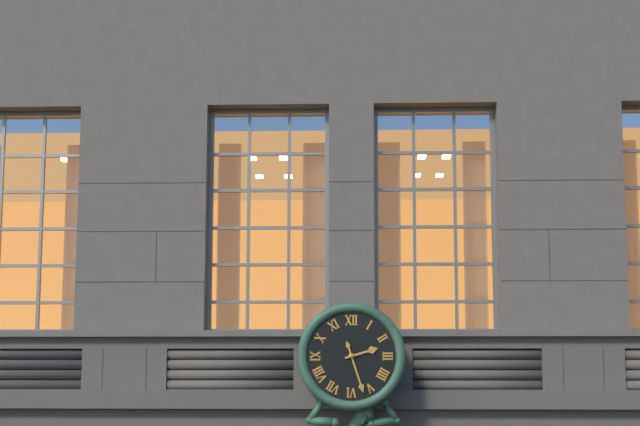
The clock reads 2h27
